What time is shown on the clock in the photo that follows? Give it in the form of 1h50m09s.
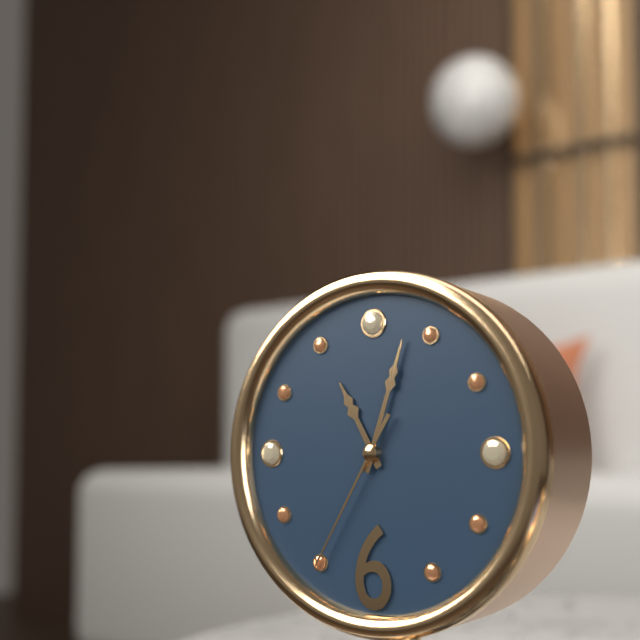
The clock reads 11h03m35s
